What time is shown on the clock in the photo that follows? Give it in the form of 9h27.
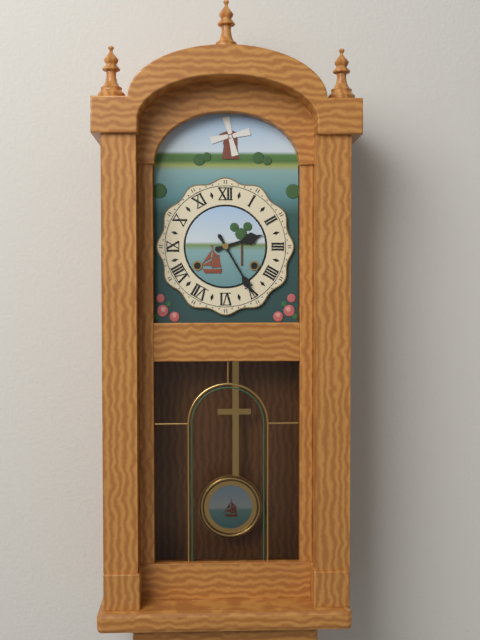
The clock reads 2h25
